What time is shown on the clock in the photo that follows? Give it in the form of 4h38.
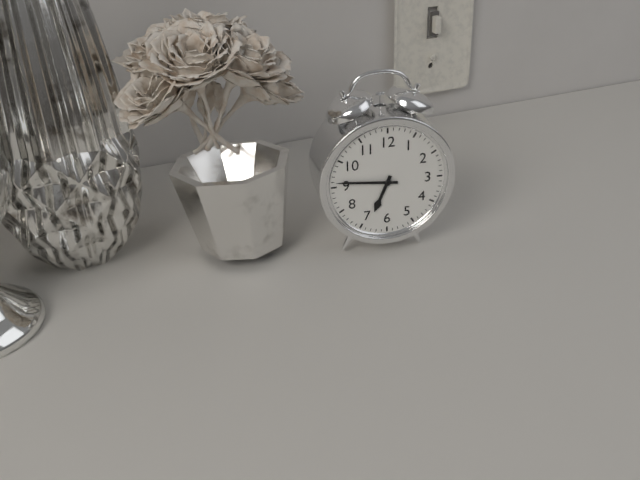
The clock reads 6h46
